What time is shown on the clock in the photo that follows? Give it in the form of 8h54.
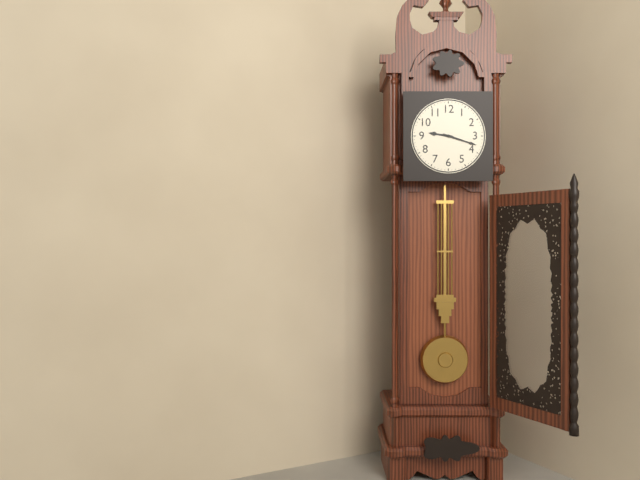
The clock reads 9h18
